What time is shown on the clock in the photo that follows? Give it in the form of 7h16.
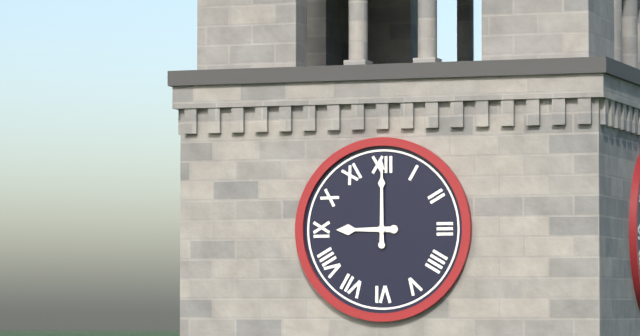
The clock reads 9h00
